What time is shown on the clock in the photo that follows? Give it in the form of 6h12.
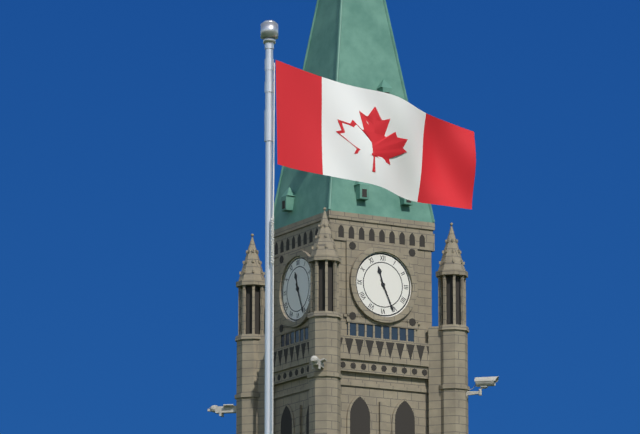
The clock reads 11h26
